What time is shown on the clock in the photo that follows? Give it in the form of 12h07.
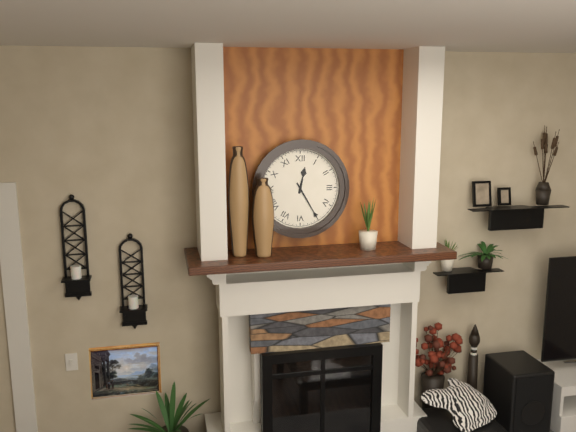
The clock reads 12h25
